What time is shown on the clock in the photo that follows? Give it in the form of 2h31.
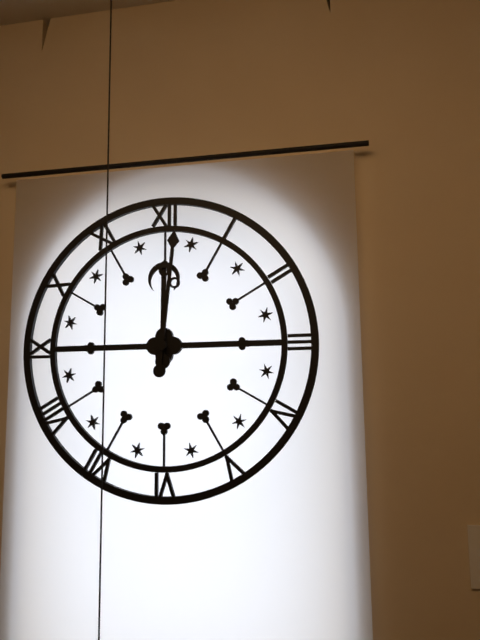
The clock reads 12h01
